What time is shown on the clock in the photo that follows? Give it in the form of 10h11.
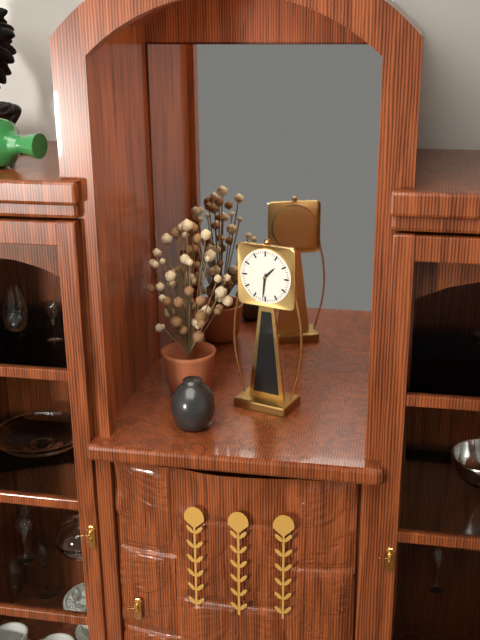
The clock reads 1h31
